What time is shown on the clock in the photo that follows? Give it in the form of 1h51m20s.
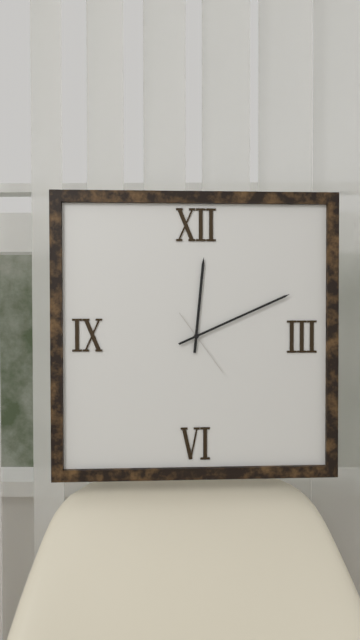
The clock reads 12h11m24s
